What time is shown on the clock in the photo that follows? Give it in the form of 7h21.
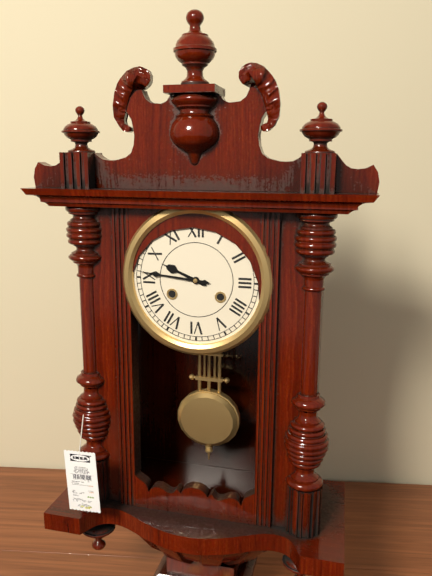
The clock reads 9h46
